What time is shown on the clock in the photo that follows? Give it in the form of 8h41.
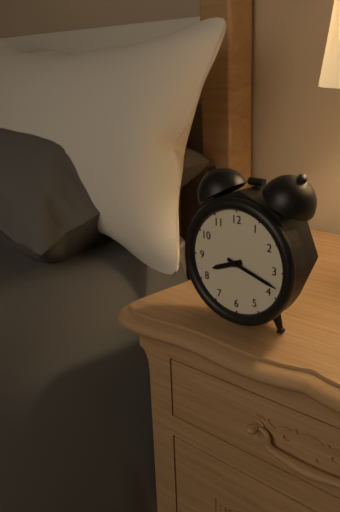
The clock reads 8h18
